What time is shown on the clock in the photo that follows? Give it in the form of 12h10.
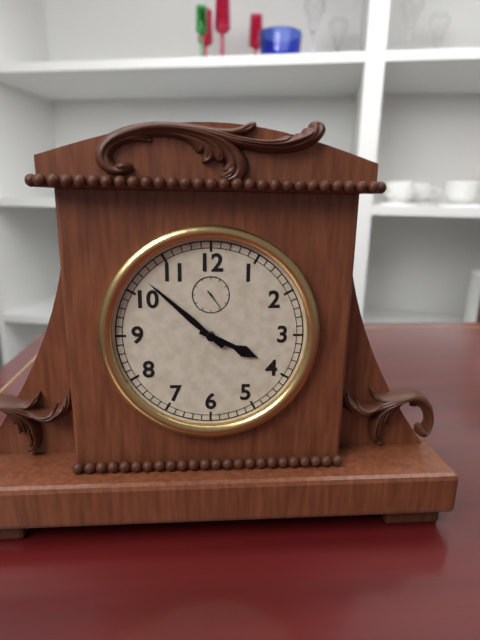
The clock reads 3h52
